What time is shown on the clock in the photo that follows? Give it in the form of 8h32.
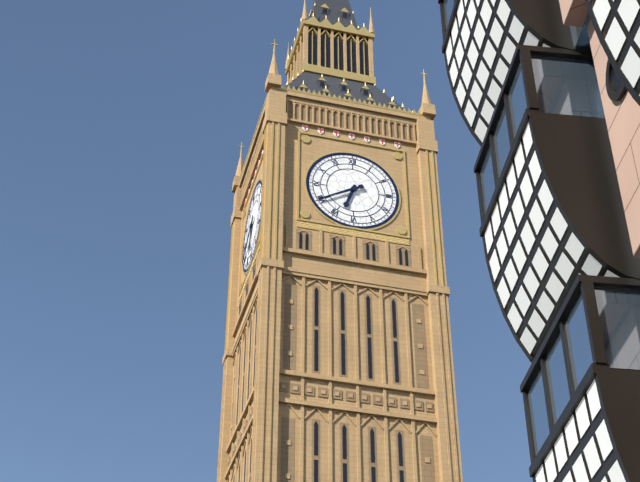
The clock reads 6h40
